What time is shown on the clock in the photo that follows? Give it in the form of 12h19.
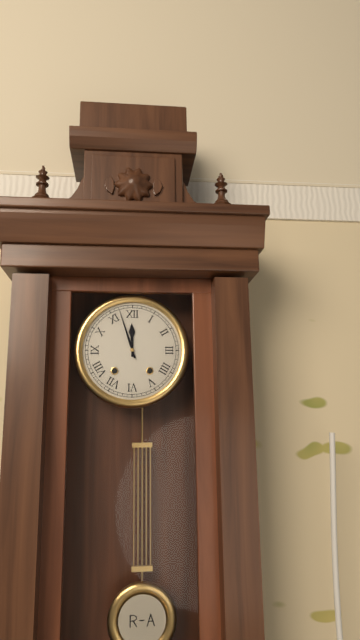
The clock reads 11h57
